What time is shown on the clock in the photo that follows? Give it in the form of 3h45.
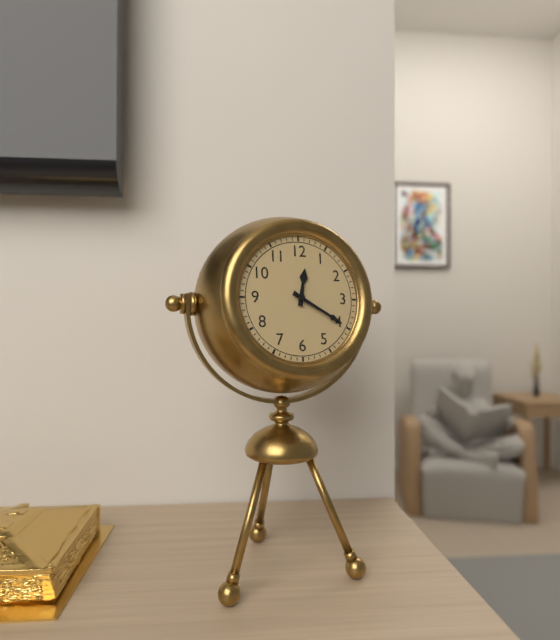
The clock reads 12h20
